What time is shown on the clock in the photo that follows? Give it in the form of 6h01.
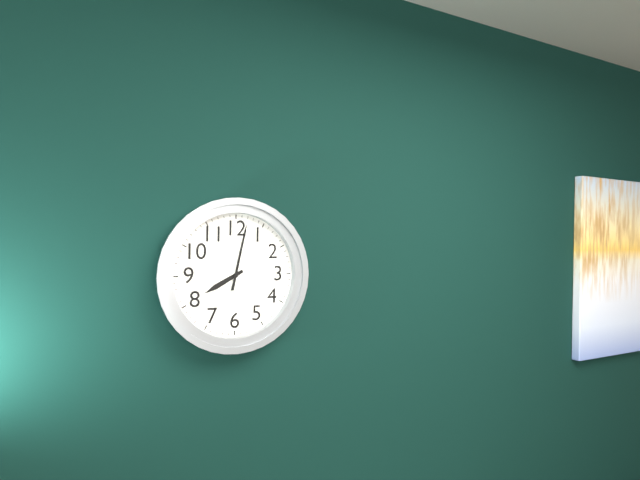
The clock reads 8h02
